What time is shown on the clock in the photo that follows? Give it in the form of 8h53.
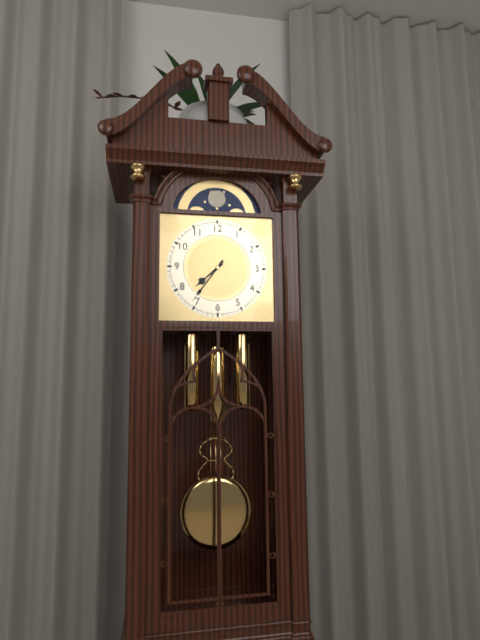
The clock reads 7h36
